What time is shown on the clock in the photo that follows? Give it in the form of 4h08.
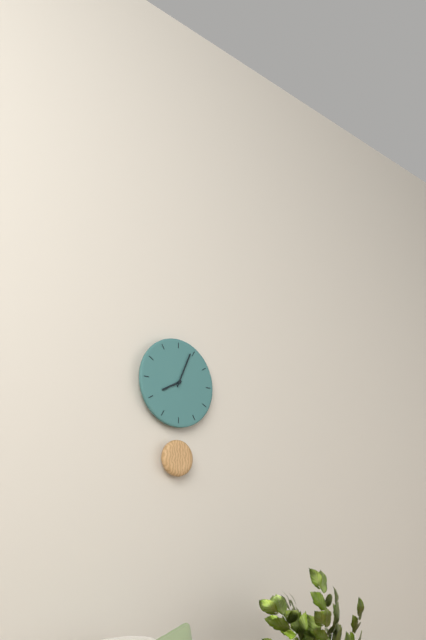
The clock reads 8h04
